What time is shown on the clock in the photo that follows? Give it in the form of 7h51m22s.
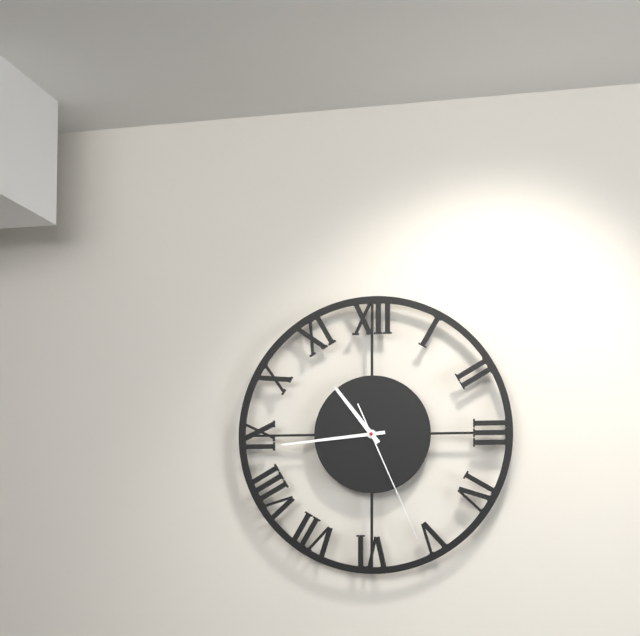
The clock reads 10h44m26s
